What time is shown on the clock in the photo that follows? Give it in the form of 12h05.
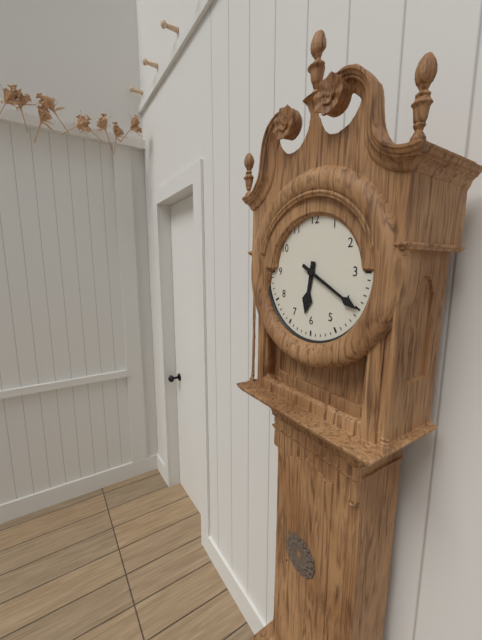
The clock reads 6h20
